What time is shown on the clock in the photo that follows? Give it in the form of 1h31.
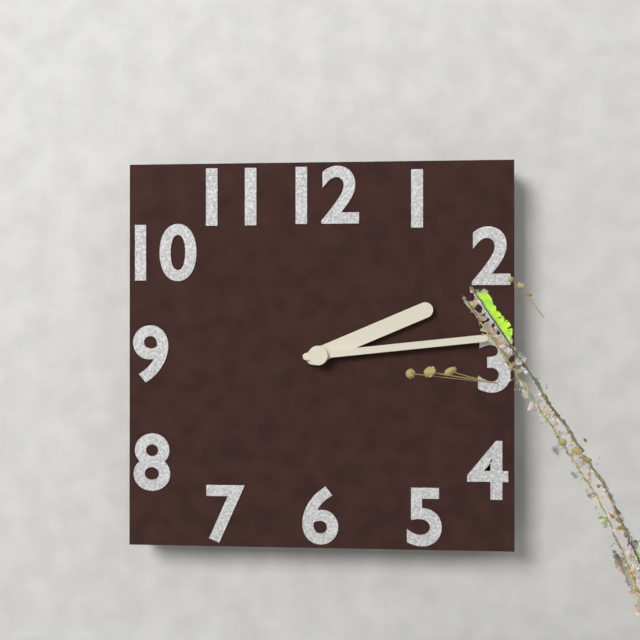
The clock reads 2h14
